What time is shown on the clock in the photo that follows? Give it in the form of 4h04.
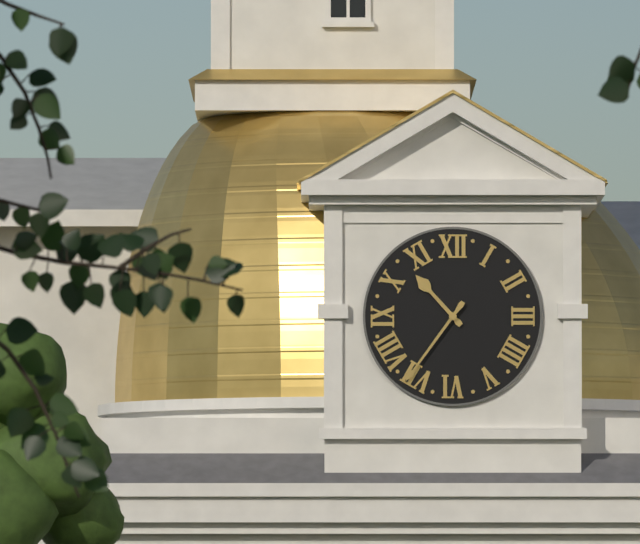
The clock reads 10h36
